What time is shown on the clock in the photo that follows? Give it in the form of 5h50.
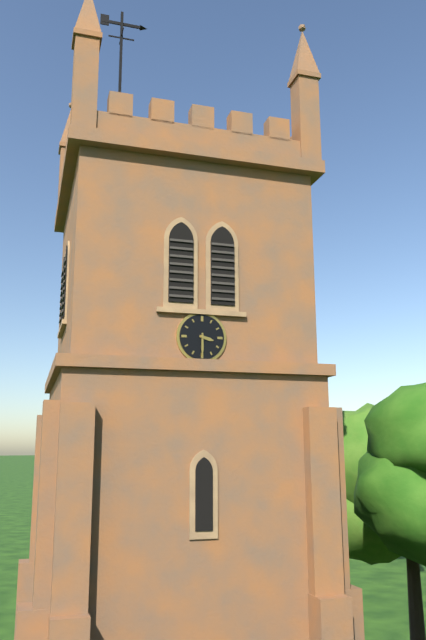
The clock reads 3h30
